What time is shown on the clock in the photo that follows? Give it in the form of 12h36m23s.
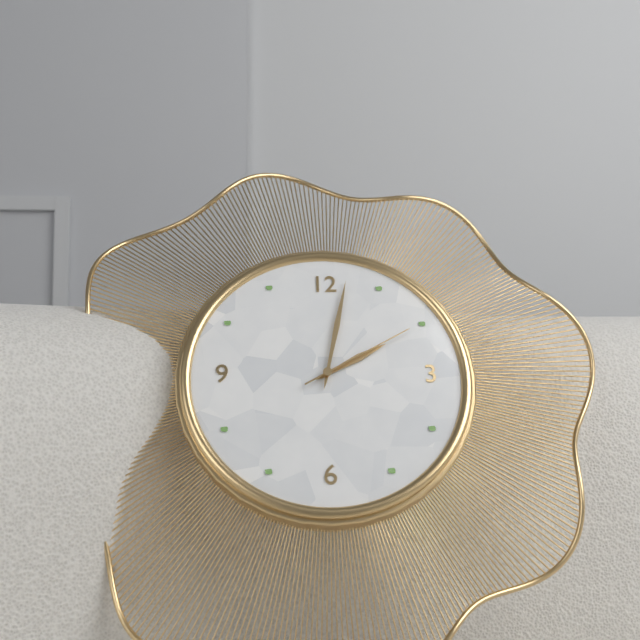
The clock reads 2h02m10s
